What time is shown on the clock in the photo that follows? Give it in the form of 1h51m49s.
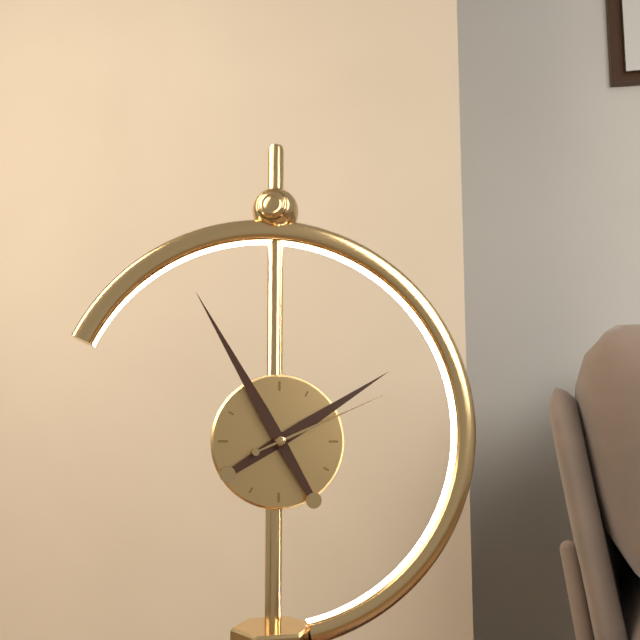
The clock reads 1h55m11s
